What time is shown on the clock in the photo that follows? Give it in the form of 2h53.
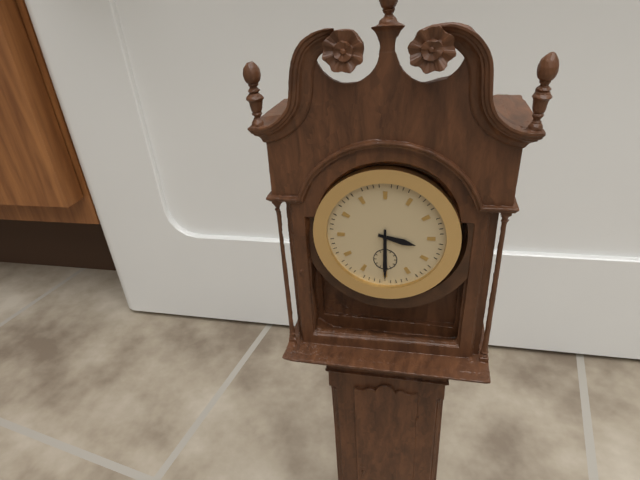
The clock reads 3h30
